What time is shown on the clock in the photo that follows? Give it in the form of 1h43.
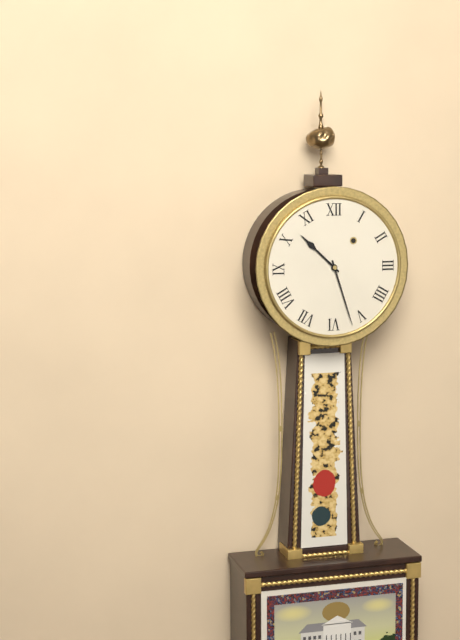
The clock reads 10h27
